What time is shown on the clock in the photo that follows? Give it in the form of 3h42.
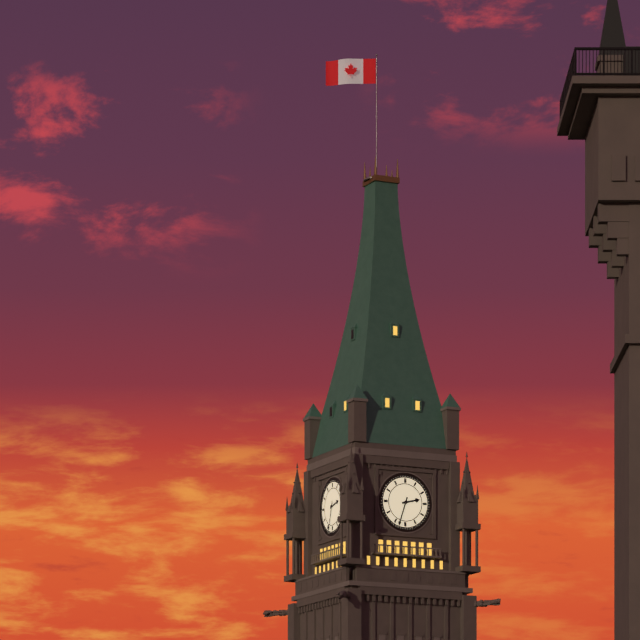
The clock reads 2h33
